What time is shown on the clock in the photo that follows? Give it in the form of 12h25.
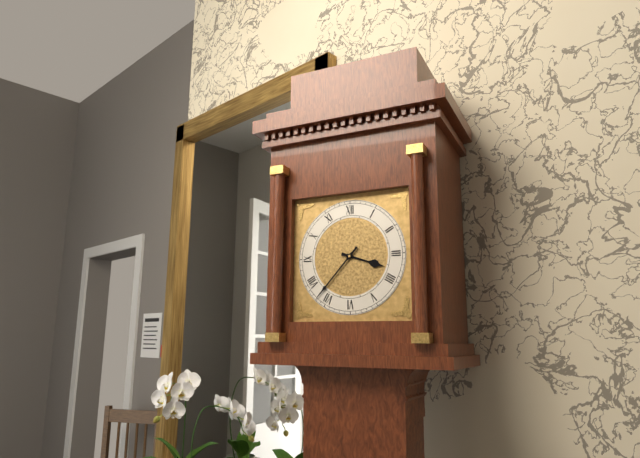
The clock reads 3h37
